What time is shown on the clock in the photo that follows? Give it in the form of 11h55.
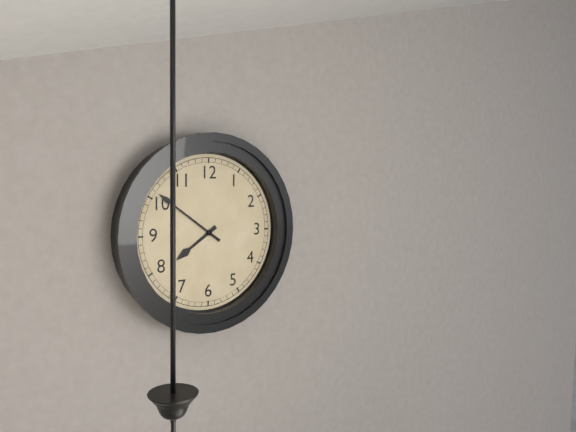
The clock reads 7h51
